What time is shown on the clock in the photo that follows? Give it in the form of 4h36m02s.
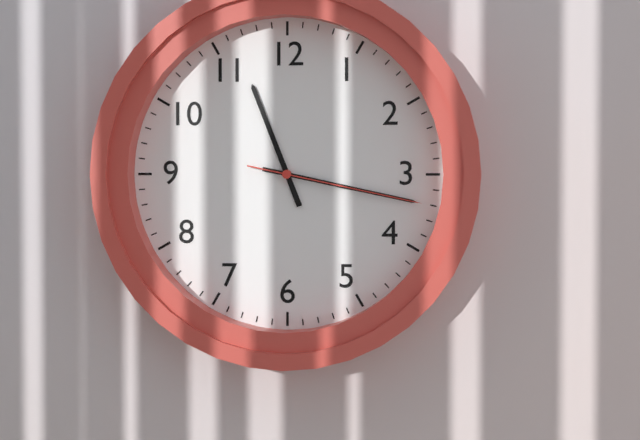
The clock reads 11h17m17s
